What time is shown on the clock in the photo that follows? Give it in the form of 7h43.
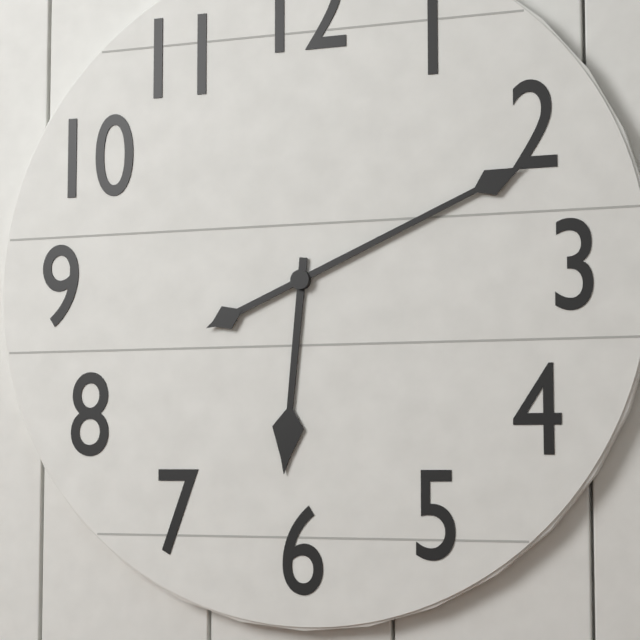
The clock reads 6h11
